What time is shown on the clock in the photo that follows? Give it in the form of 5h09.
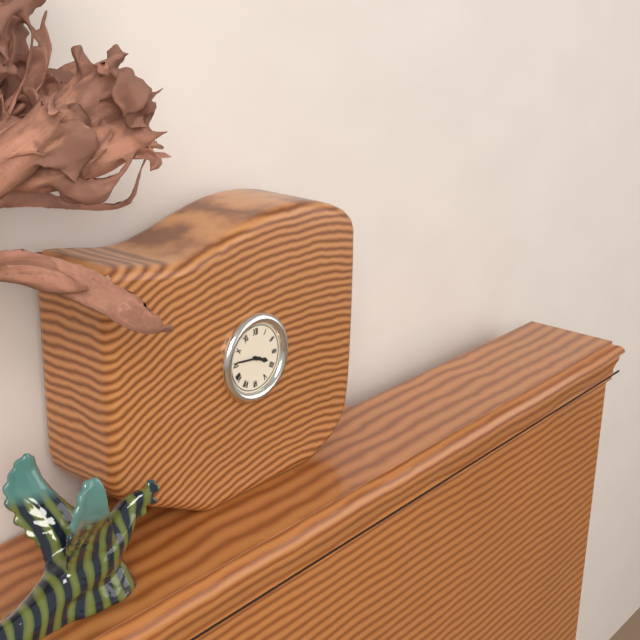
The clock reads 3h46
